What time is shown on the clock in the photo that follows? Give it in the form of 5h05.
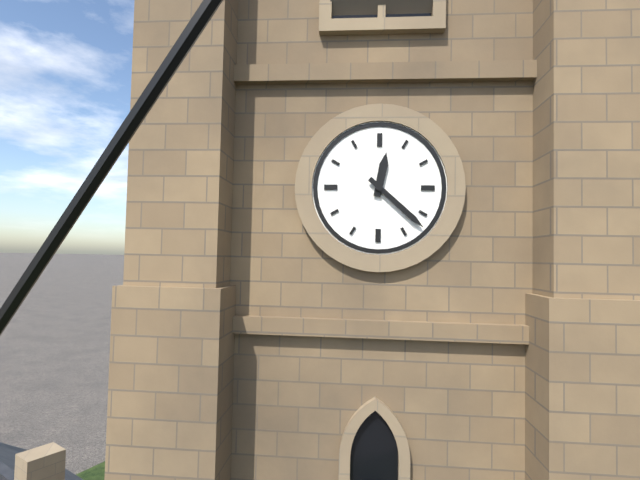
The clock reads 12h22
